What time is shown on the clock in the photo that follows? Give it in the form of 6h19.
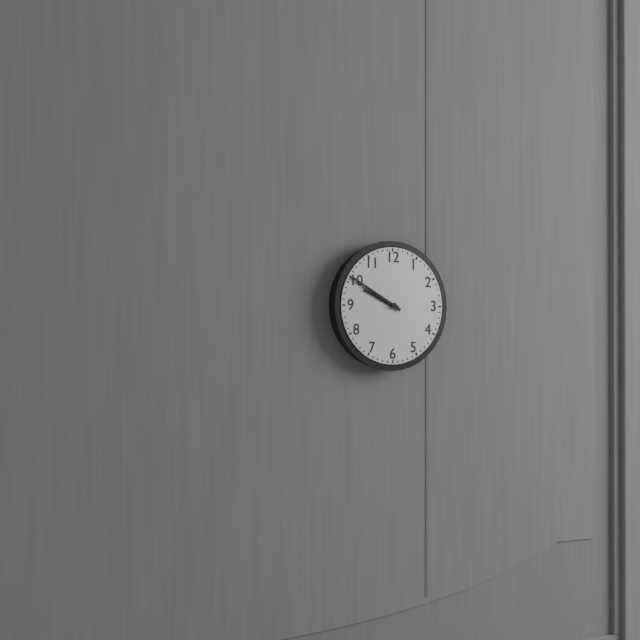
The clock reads 9h50
